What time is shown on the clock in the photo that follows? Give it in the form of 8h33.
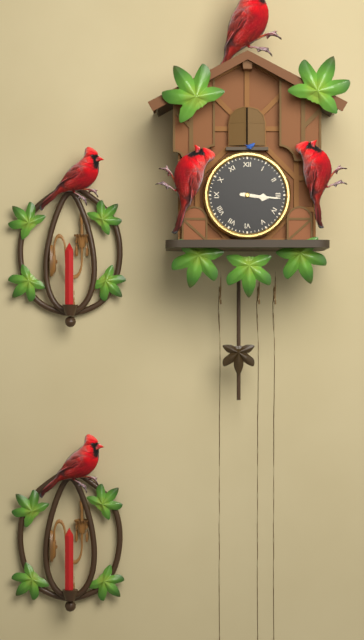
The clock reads 3h16
